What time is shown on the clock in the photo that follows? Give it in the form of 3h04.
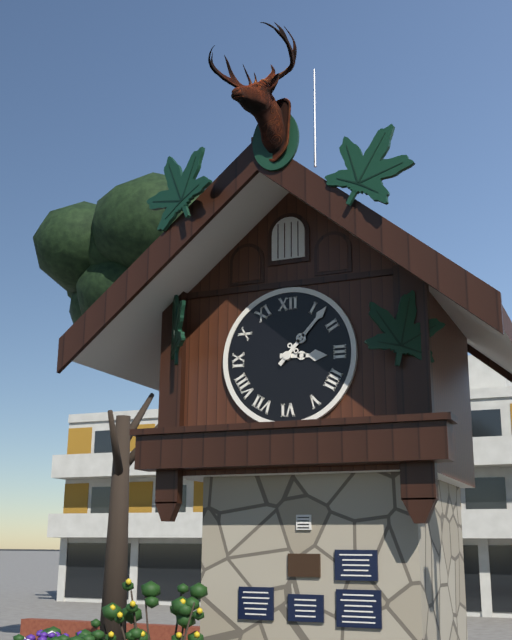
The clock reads 3h07
